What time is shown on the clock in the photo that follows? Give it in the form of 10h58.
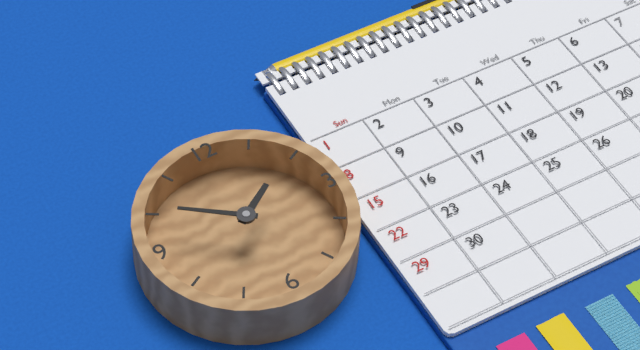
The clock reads 1h51
